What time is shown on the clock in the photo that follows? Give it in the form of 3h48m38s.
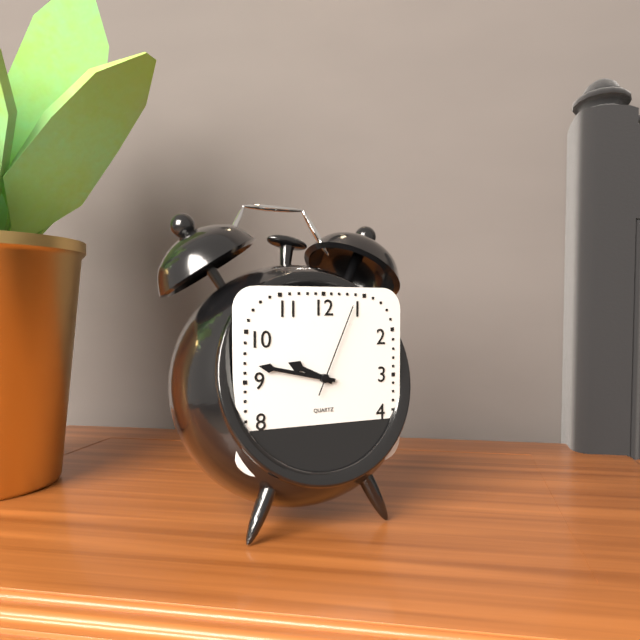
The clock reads 9h47m04s
